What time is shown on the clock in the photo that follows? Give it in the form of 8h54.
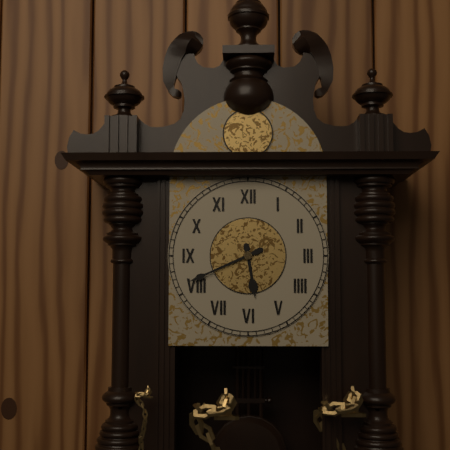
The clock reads 5h41
